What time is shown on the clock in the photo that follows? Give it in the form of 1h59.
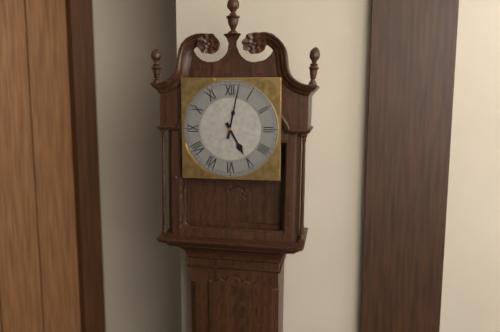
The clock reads 5h02
